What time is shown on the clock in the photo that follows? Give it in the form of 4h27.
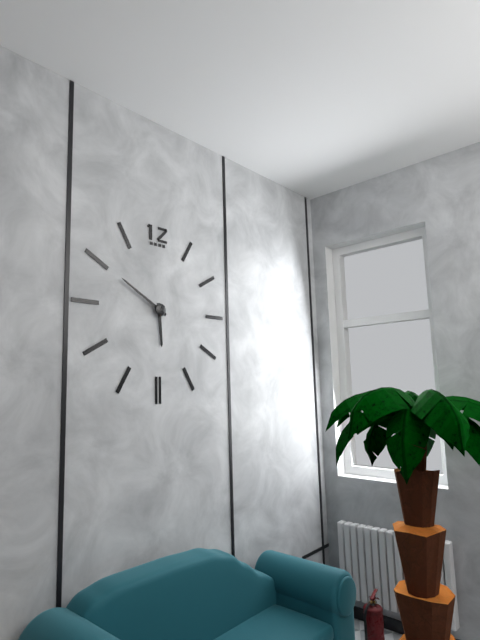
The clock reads 5h50
